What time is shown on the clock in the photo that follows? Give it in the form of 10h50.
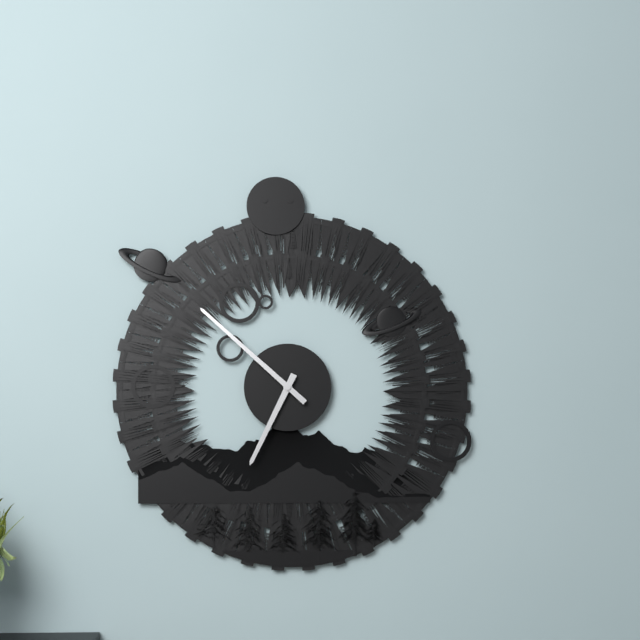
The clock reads 6h52
